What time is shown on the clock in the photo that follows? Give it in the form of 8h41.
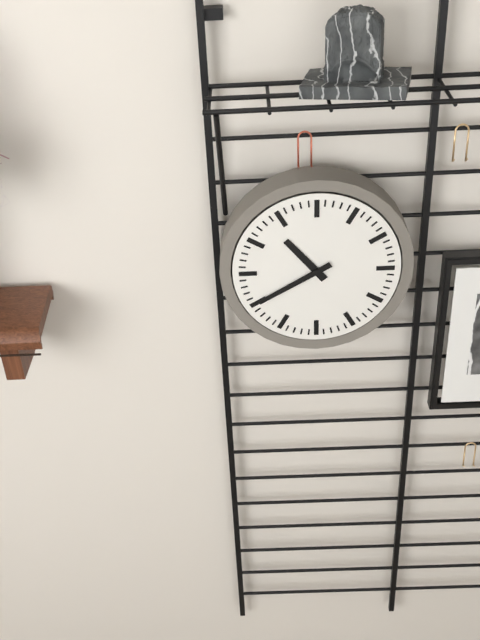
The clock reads 10h40
